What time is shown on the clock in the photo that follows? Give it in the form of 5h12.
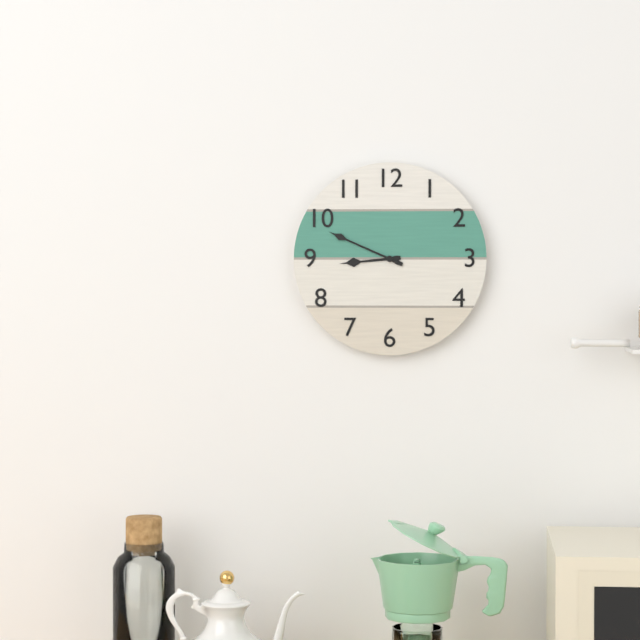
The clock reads 8h49
